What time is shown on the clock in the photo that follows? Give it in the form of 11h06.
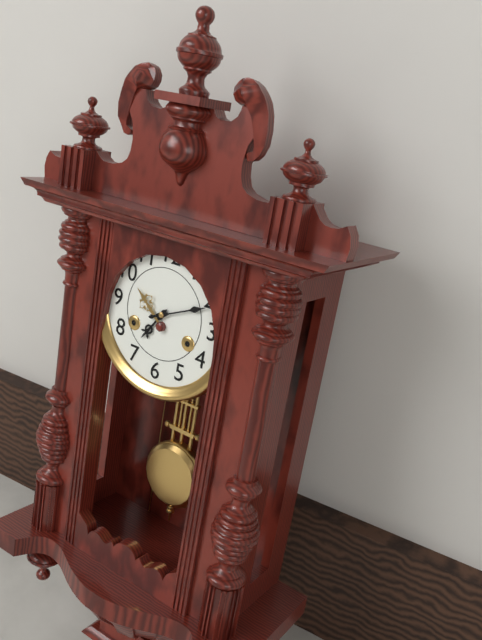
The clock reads 7h11
